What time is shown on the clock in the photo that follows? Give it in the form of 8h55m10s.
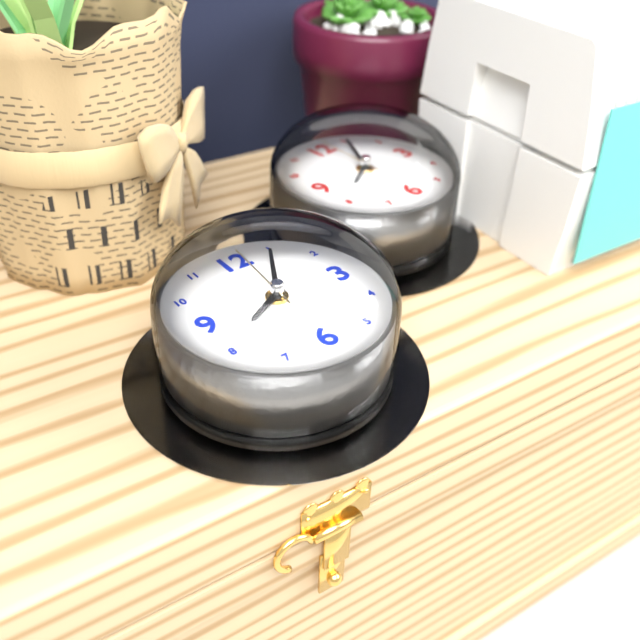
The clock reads 8h05m01s
